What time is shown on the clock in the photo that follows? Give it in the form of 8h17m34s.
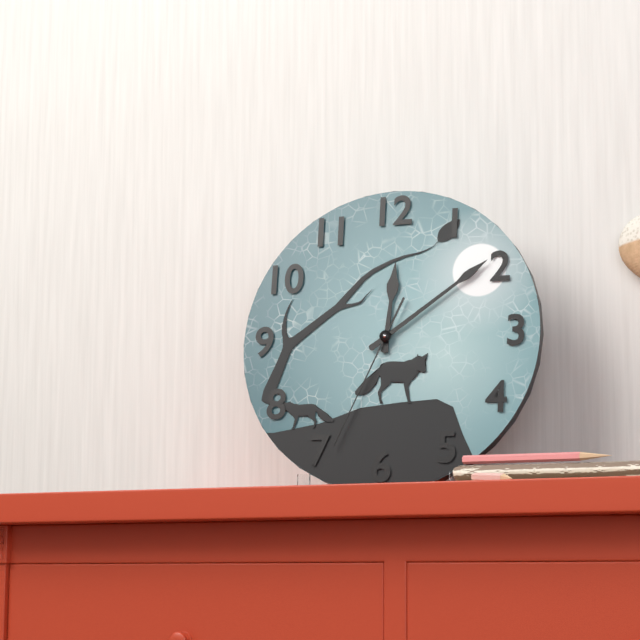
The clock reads 12h09m34s
